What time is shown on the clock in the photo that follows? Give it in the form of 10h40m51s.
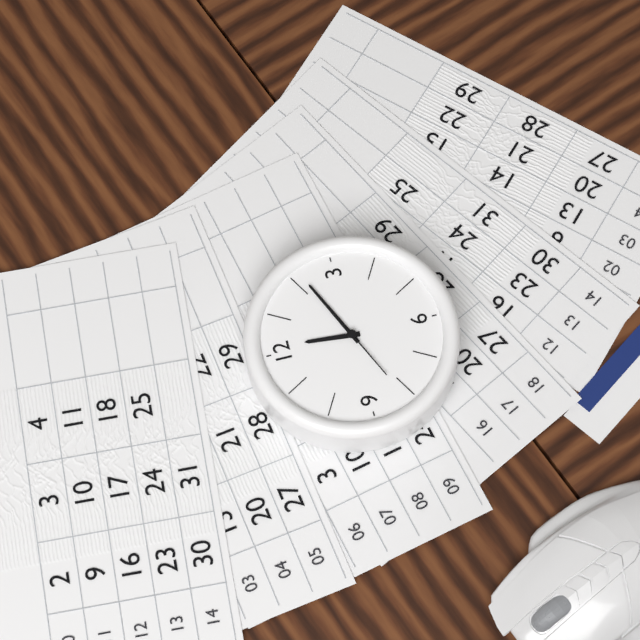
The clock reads 12h11m41s
